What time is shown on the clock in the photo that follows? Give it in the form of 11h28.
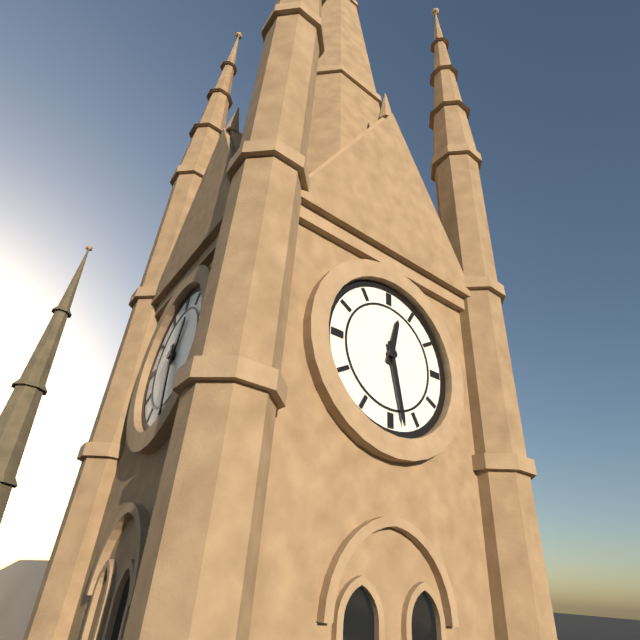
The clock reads 12h28
